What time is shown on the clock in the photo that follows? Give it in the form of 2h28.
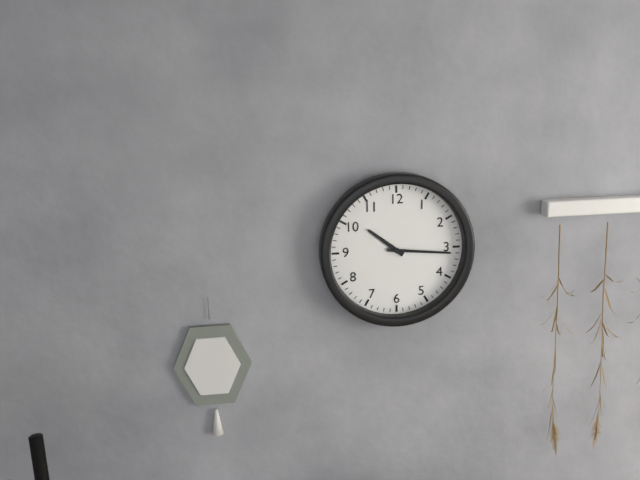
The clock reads 10h16
